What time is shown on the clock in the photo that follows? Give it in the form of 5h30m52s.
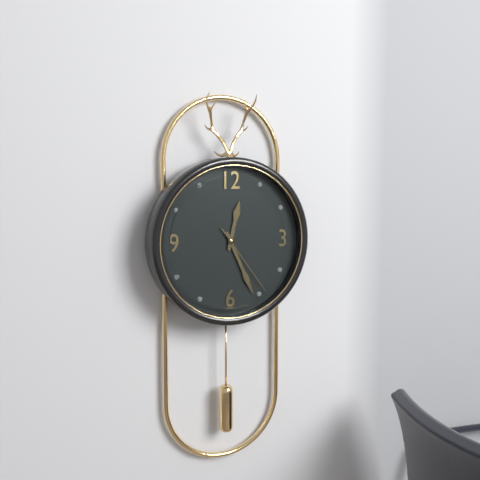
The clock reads 12h26m24s
